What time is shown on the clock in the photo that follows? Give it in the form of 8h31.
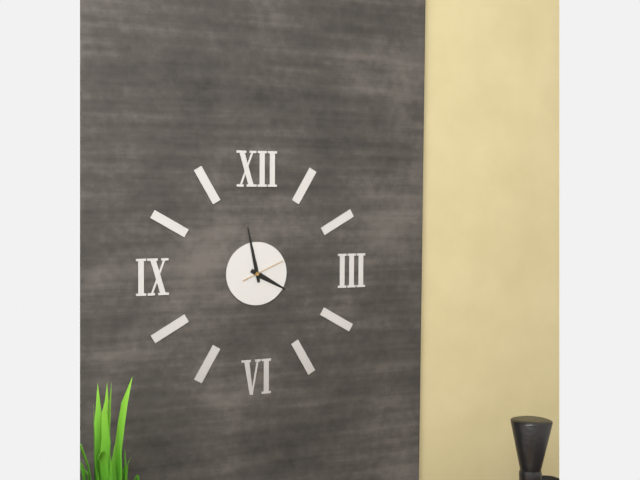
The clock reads 3h58
